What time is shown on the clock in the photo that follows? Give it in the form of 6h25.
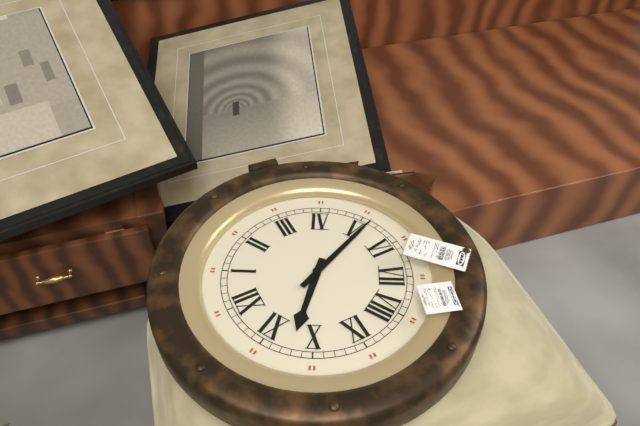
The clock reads 10h26
